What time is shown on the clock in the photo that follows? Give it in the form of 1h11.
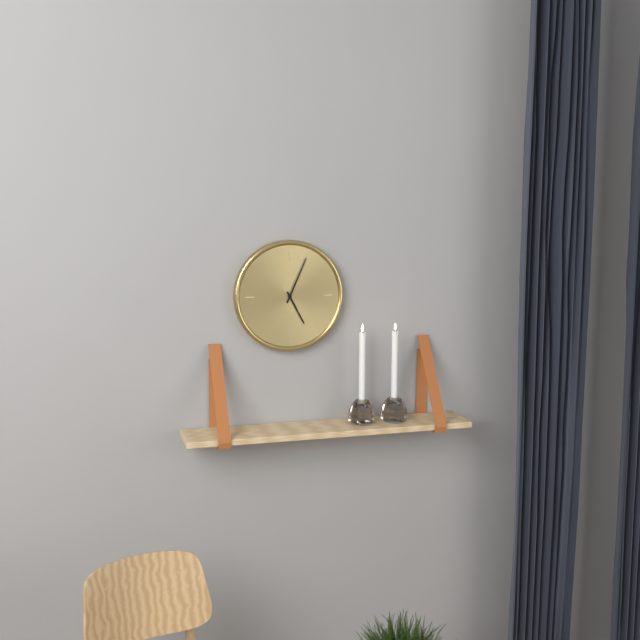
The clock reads 5h04
